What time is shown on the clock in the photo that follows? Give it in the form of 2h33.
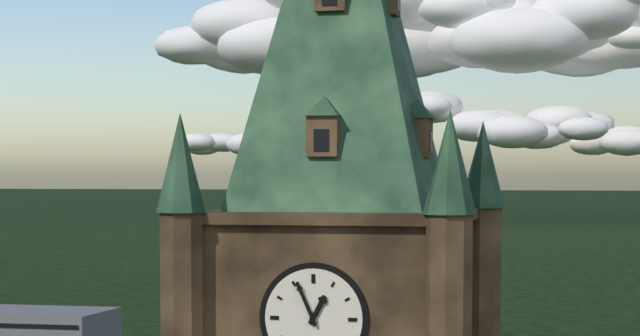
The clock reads 12h56
